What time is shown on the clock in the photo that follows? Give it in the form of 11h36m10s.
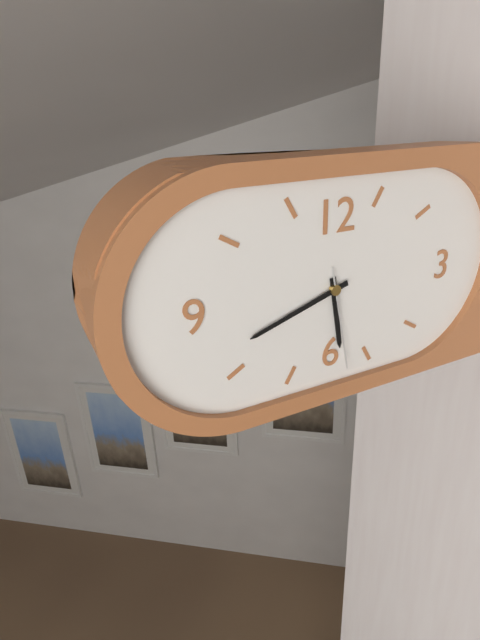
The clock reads 5h42m28s
